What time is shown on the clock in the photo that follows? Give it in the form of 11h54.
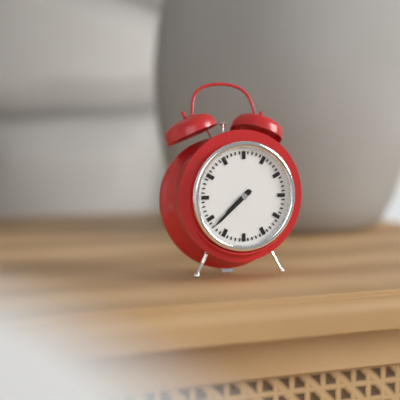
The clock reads 7h38
